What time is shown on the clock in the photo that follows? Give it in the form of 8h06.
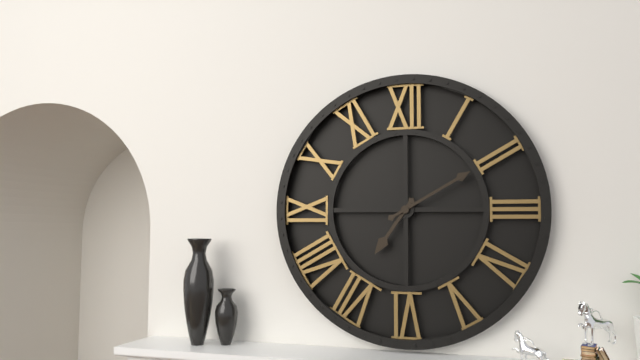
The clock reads 7h10
